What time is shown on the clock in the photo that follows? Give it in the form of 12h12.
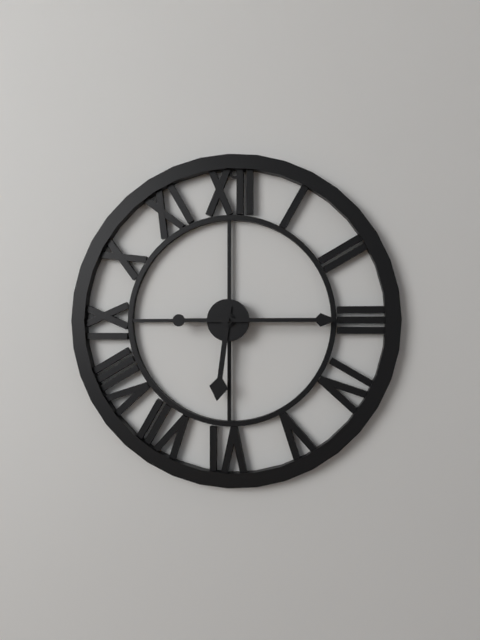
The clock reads 6h15
